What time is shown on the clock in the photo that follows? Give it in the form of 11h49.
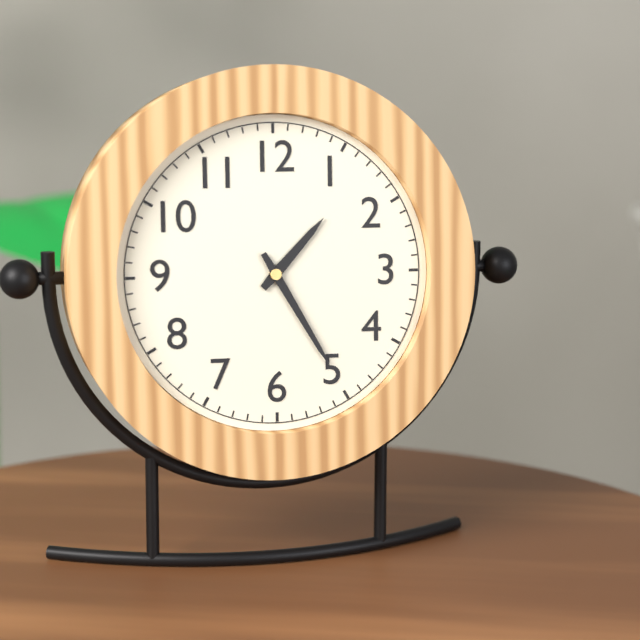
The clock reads 1h25
